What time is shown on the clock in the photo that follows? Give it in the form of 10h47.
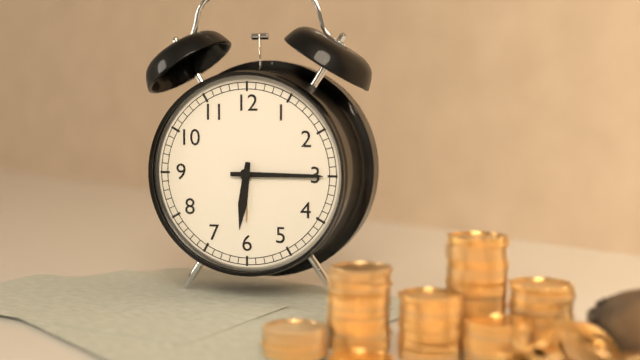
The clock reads 6h15
